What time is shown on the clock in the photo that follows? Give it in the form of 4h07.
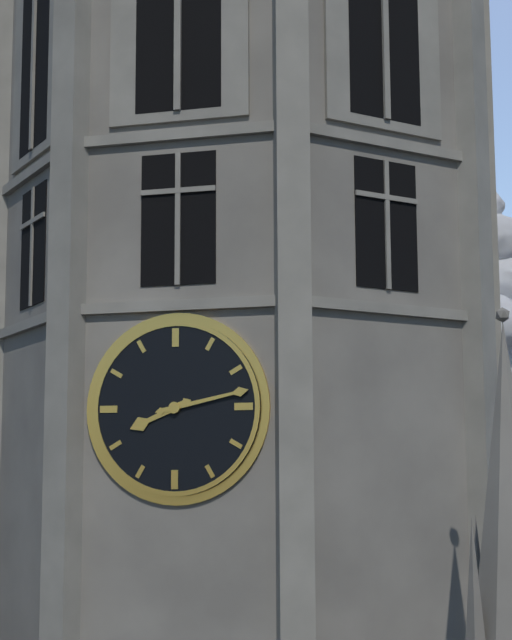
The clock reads 8h13
